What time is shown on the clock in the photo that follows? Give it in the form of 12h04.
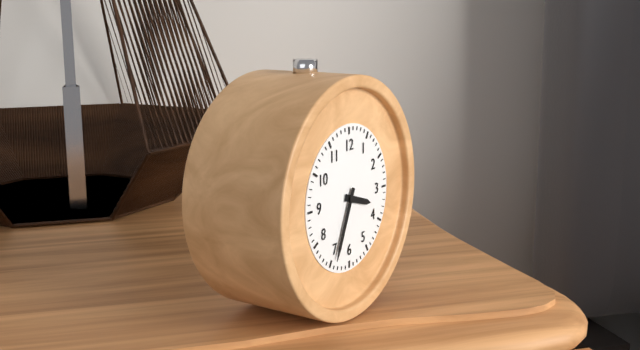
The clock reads 3h34
